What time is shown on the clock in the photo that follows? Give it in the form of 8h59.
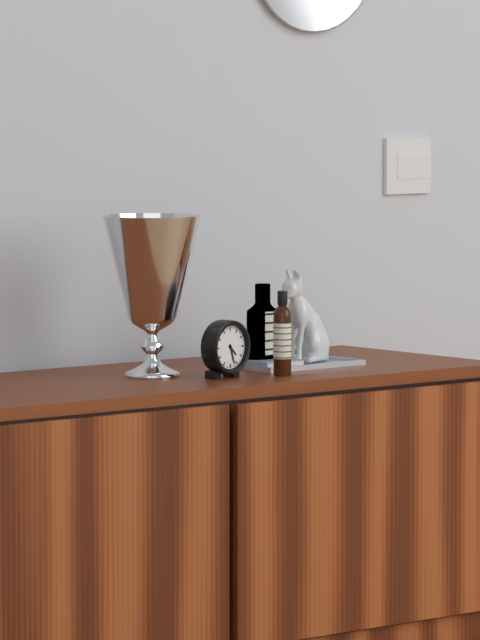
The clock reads 4h27
